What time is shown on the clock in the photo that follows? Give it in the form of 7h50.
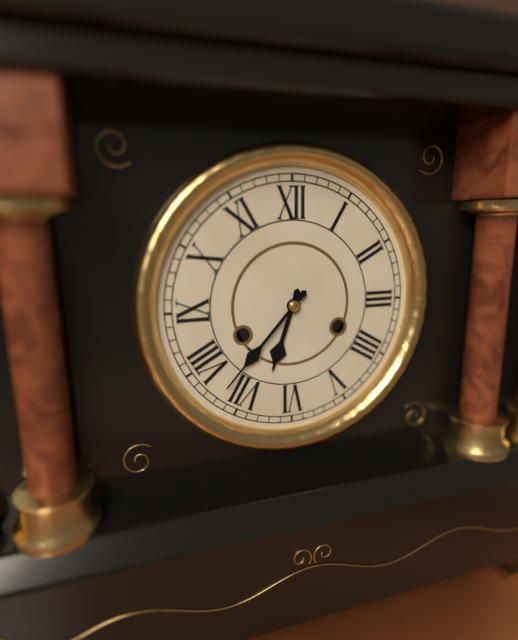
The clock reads 6h37
